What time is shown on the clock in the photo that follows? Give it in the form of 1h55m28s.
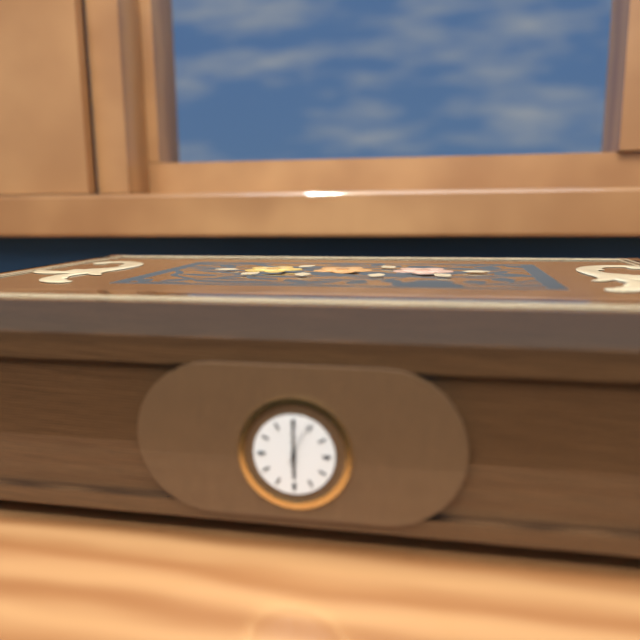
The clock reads 6h00m04s
